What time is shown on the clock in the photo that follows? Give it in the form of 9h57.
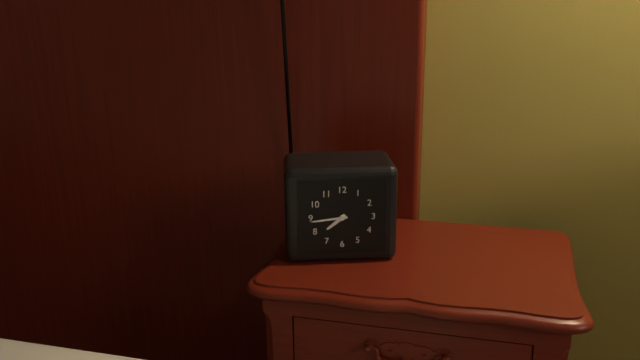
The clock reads 7h44
